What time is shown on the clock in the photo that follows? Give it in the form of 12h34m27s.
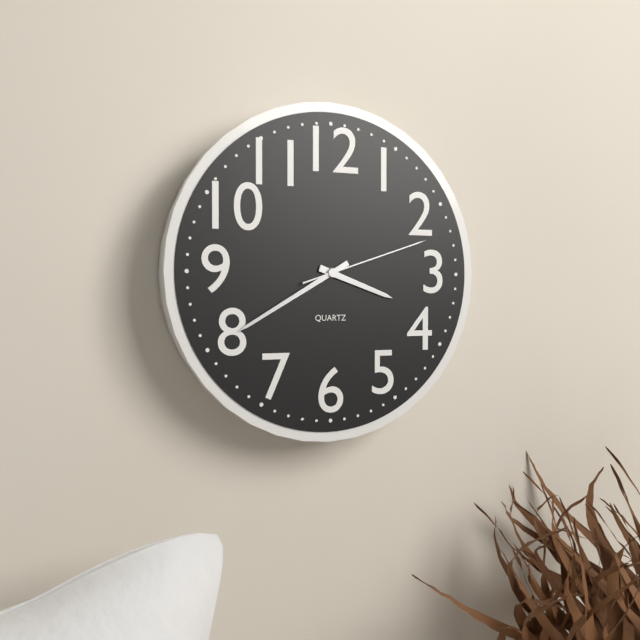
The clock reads 3h40m12s
